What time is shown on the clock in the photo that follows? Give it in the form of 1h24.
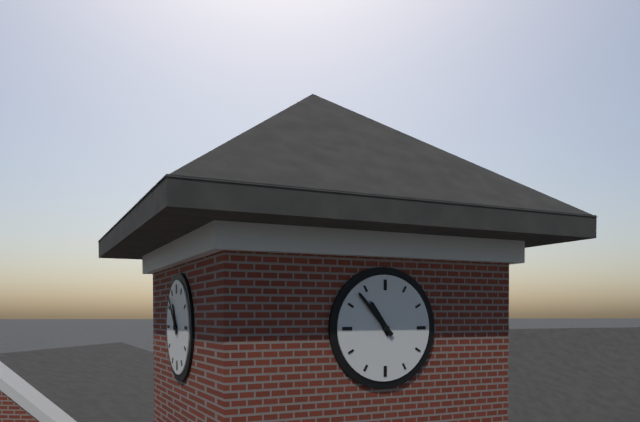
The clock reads 10h53
